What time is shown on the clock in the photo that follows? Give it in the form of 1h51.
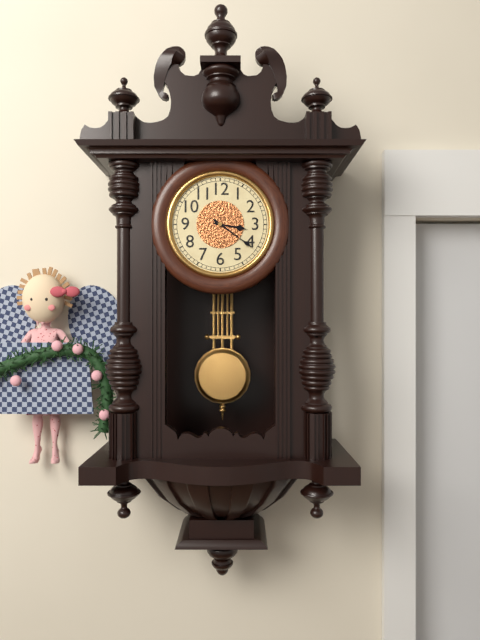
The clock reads 3h21
